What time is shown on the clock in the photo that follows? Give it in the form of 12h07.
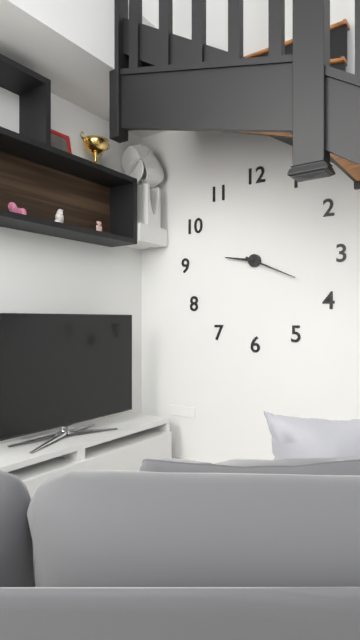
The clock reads 9h19
